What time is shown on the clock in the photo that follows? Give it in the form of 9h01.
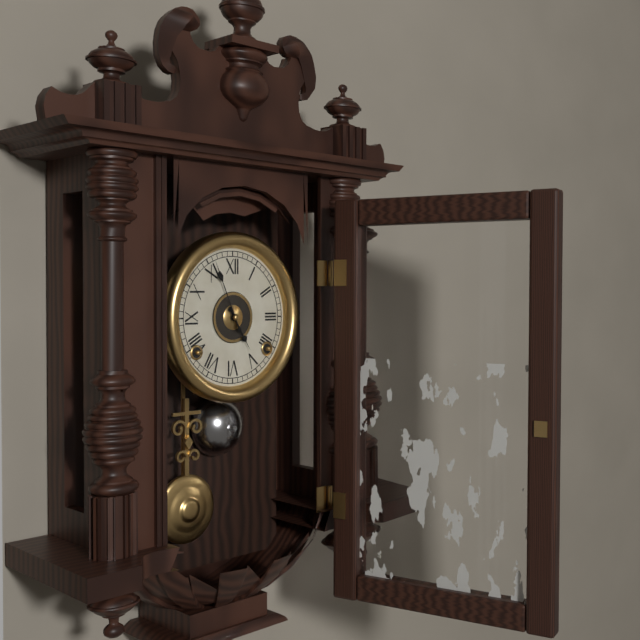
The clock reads 4h56
